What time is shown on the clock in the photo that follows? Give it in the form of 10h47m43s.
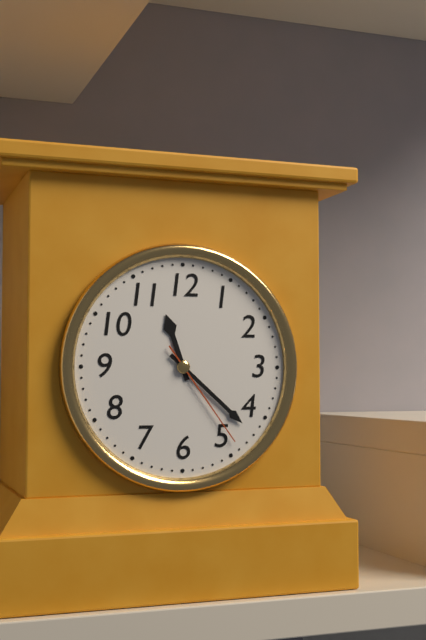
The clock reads 11h22m24s
